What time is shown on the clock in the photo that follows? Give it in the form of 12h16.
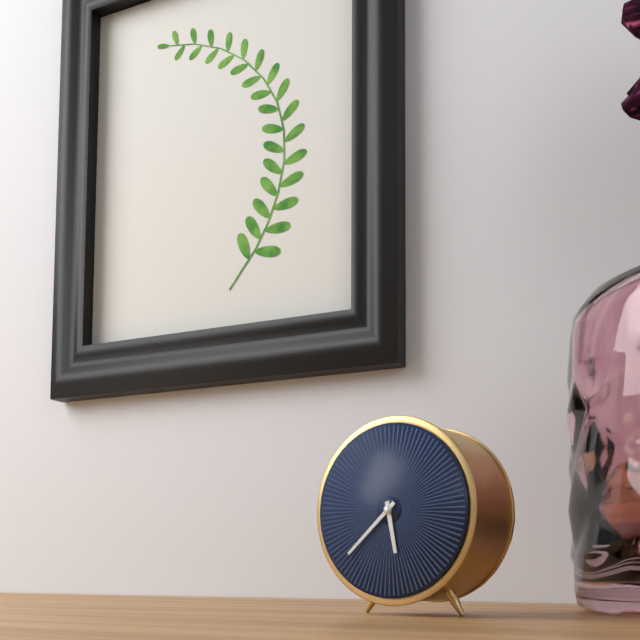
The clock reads 5h38
